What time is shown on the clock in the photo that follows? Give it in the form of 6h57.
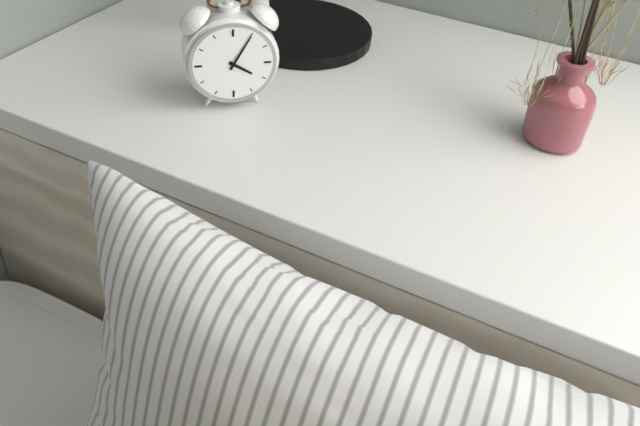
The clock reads 4h05
